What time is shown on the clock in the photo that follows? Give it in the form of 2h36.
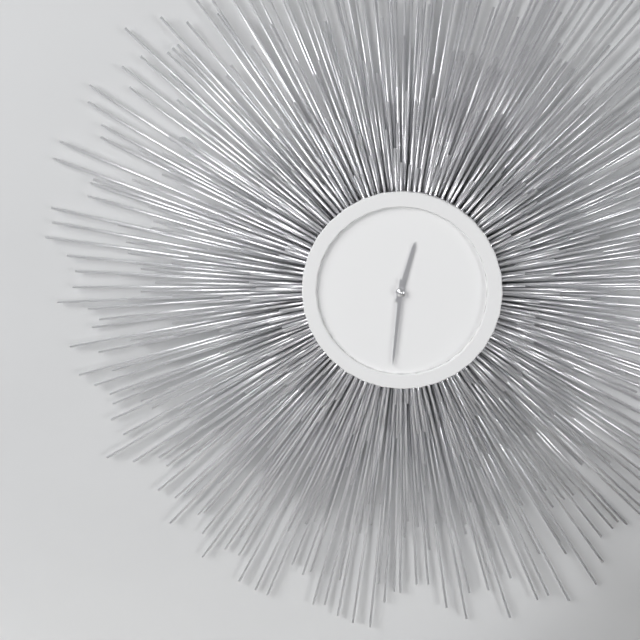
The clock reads 12h31
